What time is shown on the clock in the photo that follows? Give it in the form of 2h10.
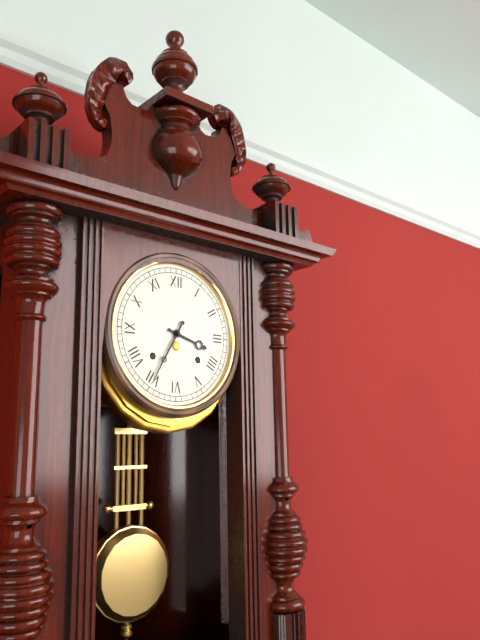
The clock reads 3h35
